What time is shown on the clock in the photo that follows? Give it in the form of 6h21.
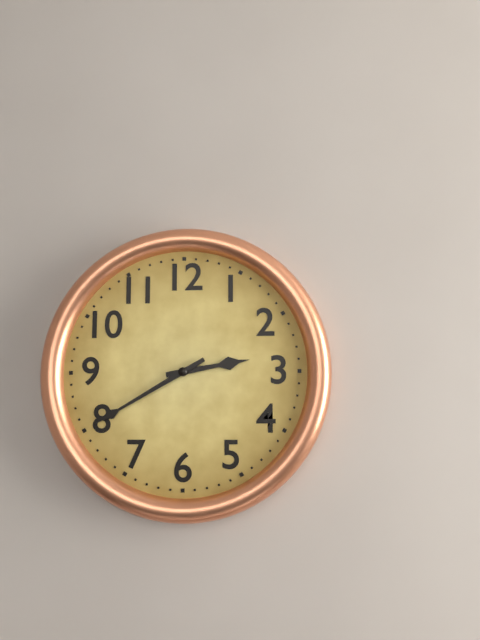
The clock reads 2h40
